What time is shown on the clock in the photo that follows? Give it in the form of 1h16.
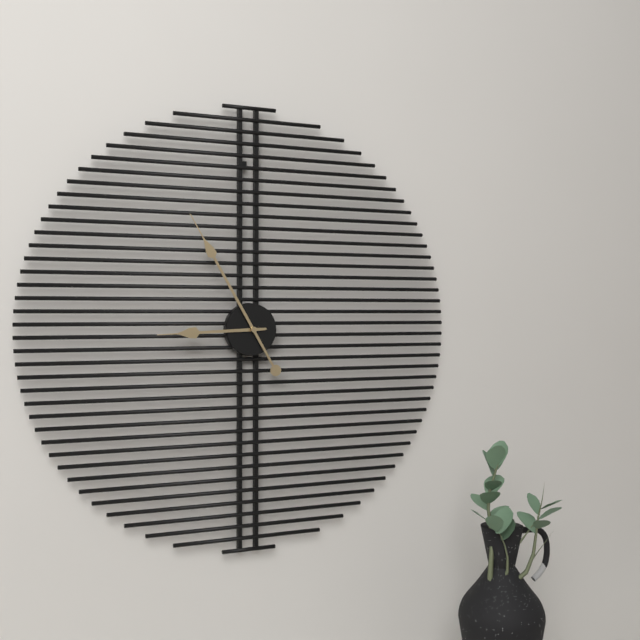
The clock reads 8h55
